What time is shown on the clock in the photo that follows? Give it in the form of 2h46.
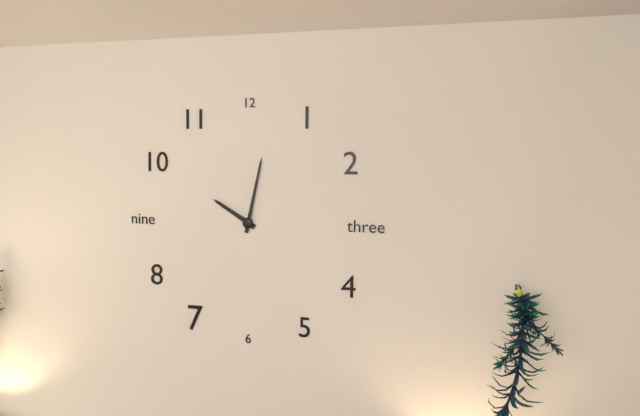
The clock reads 10h02
